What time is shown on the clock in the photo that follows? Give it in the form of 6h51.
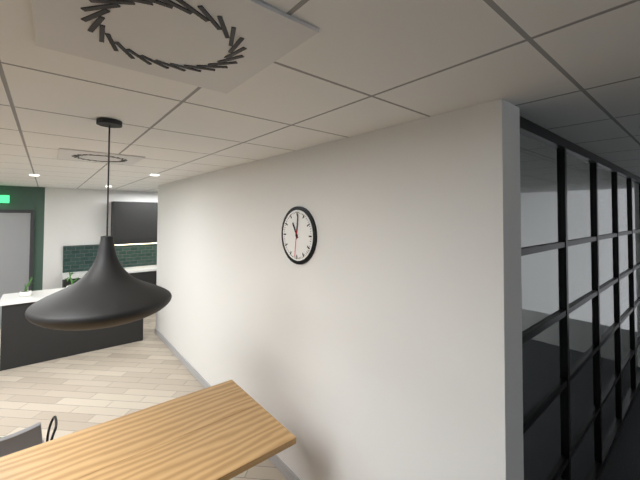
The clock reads 11h01
